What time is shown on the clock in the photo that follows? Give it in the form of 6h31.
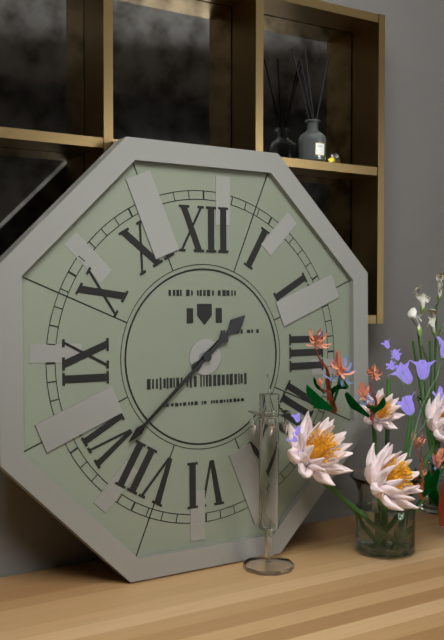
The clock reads 1h38
